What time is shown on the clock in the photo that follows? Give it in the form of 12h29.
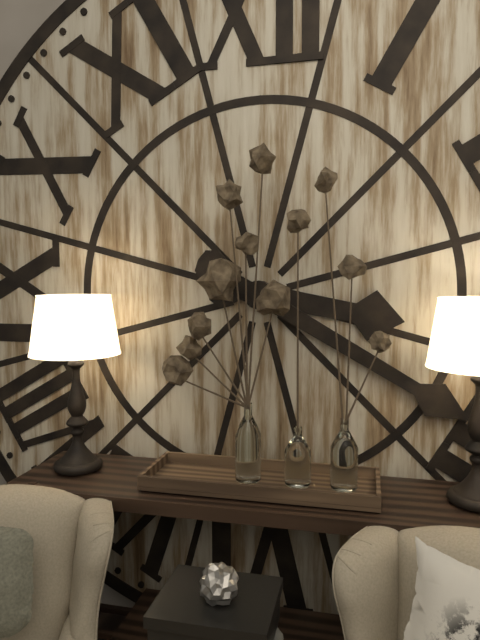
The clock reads 3h20
